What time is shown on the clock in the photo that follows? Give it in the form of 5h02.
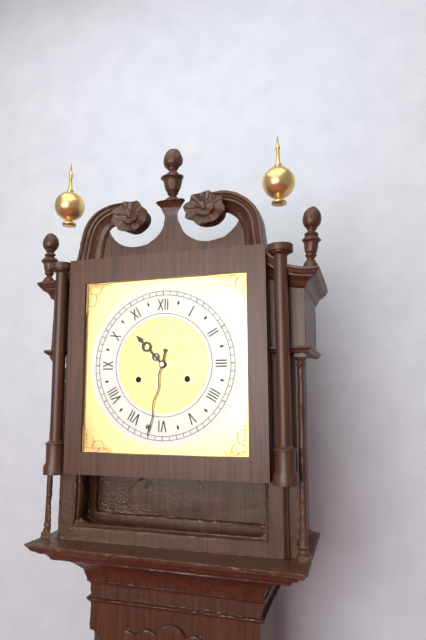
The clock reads 10h32
